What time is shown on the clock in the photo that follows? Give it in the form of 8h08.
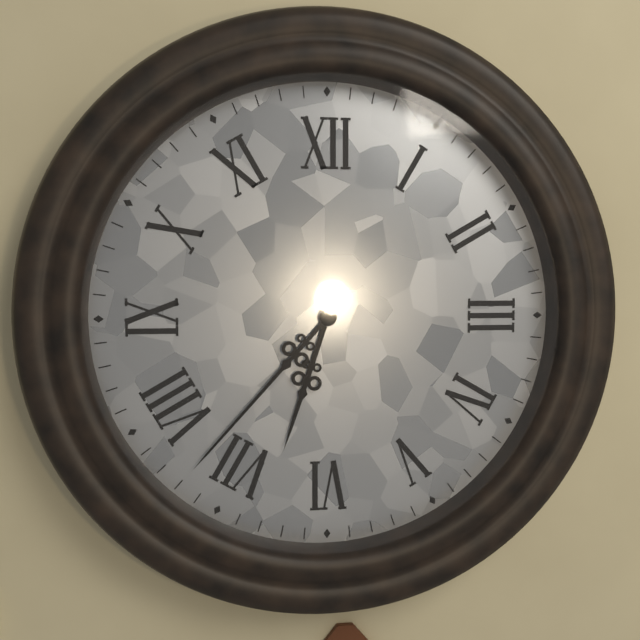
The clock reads 6h37
